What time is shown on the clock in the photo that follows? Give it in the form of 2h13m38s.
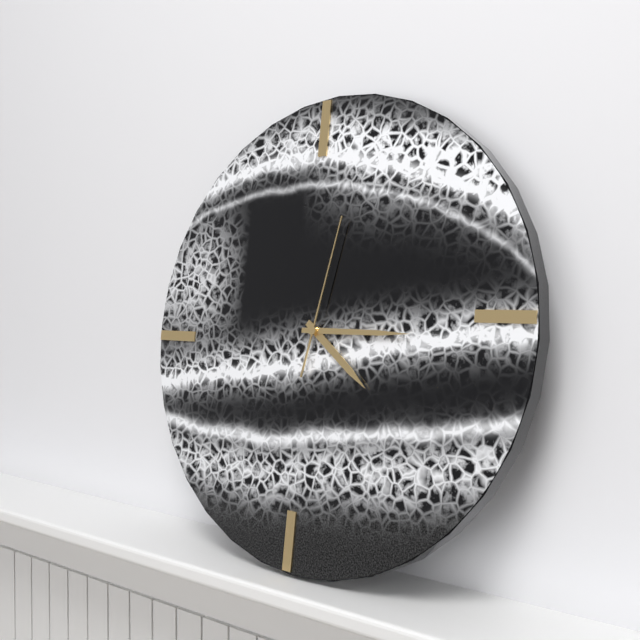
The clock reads 4h15m02s
